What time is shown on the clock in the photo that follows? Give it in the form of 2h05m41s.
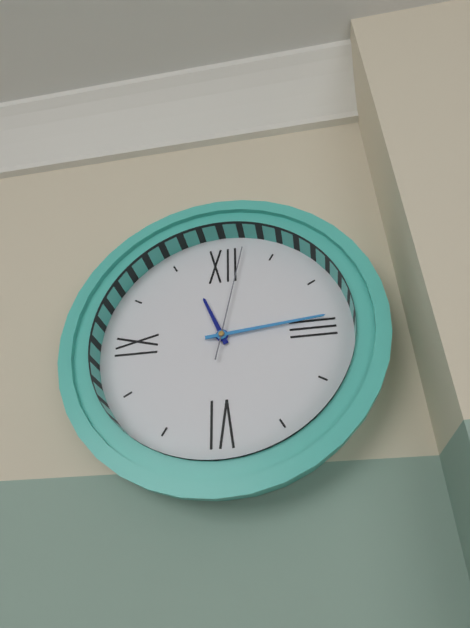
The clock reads 11h14m02s
